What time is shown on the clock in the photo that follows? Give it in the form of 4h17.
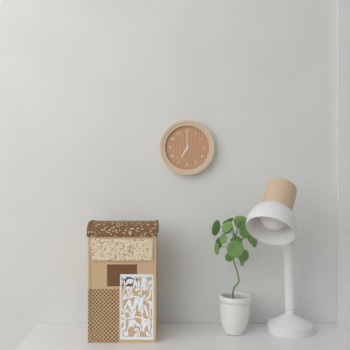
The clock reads 7h00
